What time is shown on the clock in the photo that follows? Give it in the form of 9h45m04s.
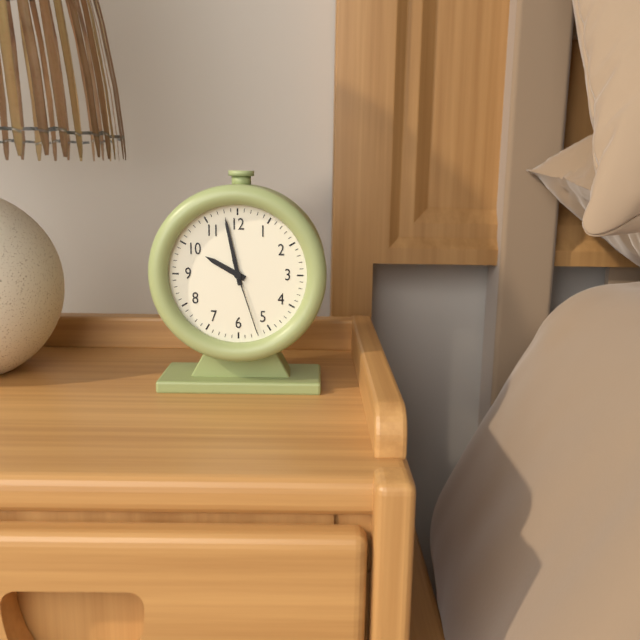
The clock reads 9h58m27s
